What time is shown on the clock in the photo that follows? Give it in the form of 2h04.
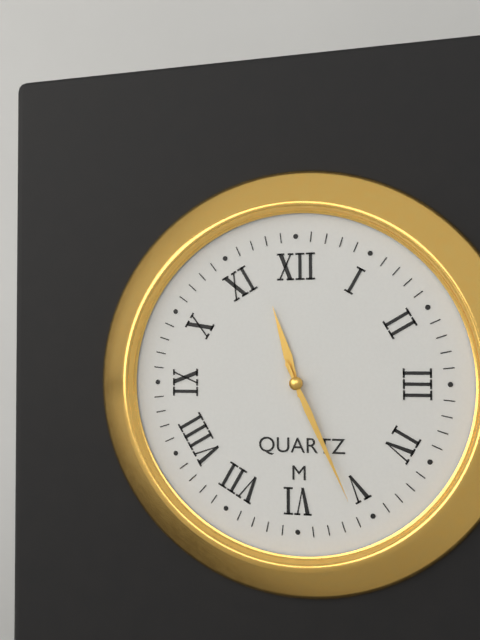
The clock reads 11h26
